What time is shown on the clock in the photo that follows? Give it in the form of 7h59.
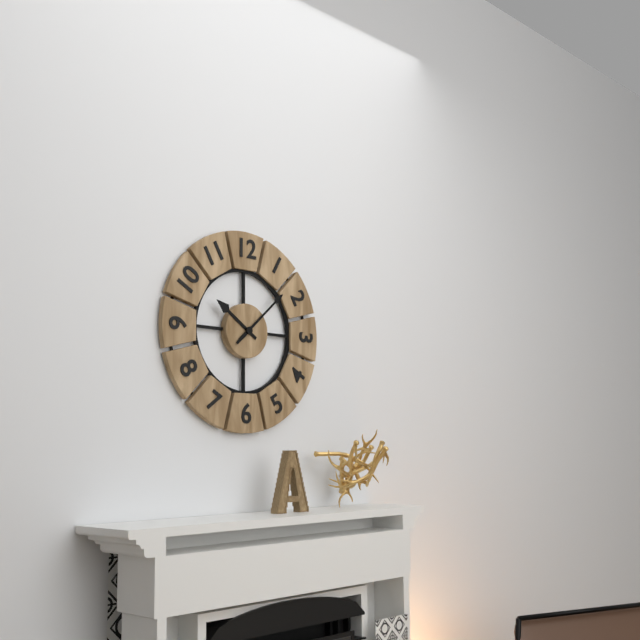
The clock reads 10h08
